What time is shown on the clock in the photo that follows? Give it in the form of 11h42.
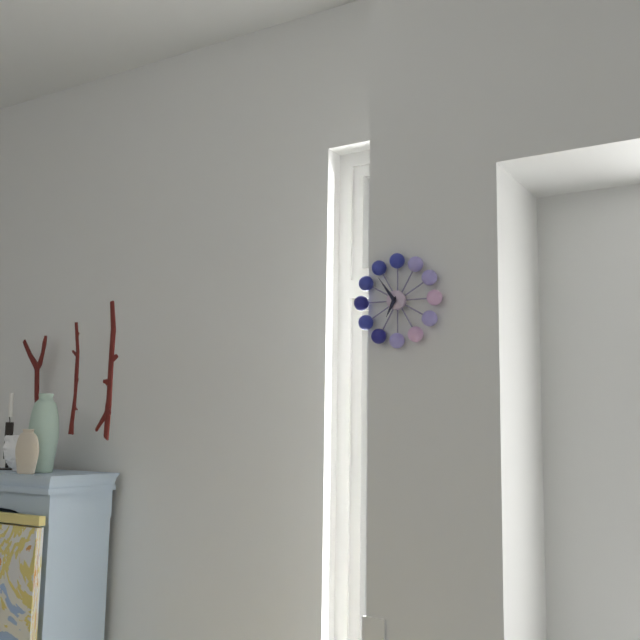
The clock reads 6h54
